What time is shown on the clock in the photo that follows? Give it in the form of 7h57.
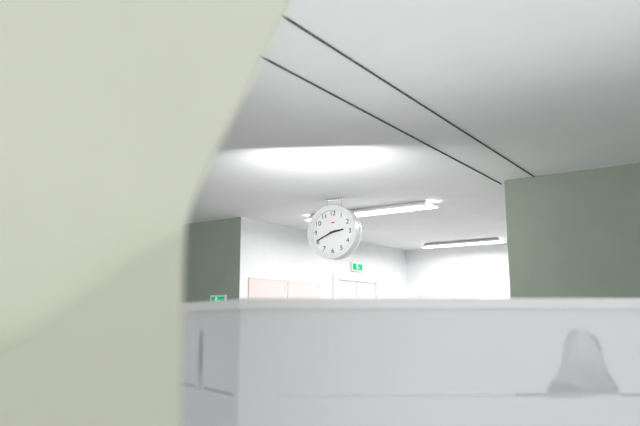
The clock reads 2h41
